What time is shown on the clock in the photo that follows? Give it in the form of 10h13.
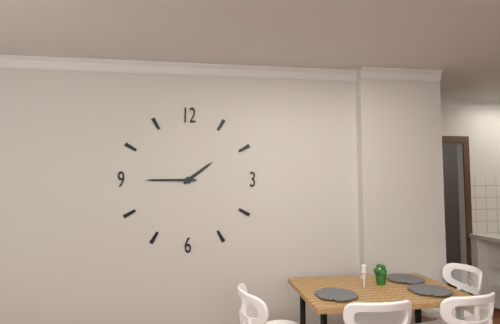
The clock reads 1h45
